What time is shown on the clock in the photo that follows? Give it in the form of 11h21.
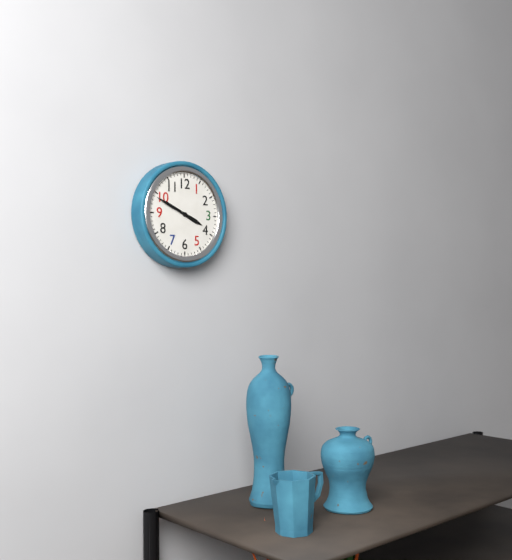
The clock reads 3h49
